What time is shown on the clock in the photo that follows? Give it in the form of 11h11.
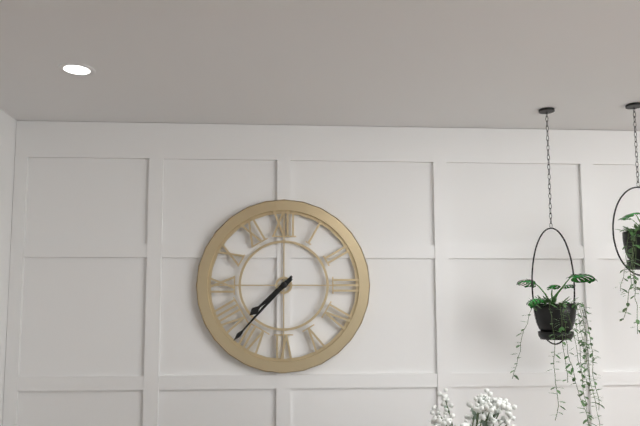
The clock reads 7h37
